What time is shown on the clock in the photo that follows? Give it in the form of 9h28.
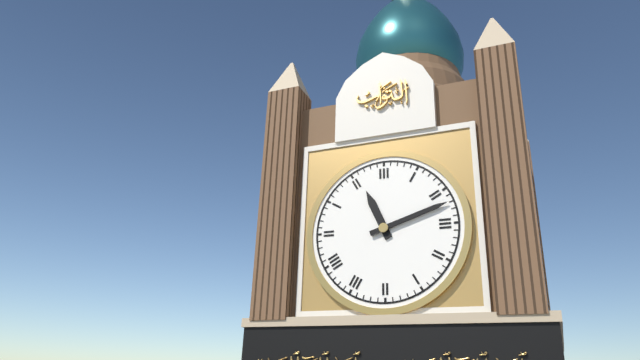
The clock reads 11h12
